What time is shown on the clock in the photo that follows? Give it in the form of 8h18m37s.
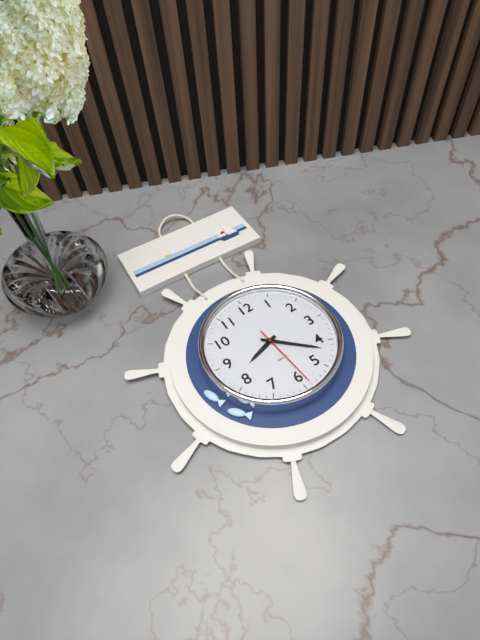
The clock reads 8h22m29s
